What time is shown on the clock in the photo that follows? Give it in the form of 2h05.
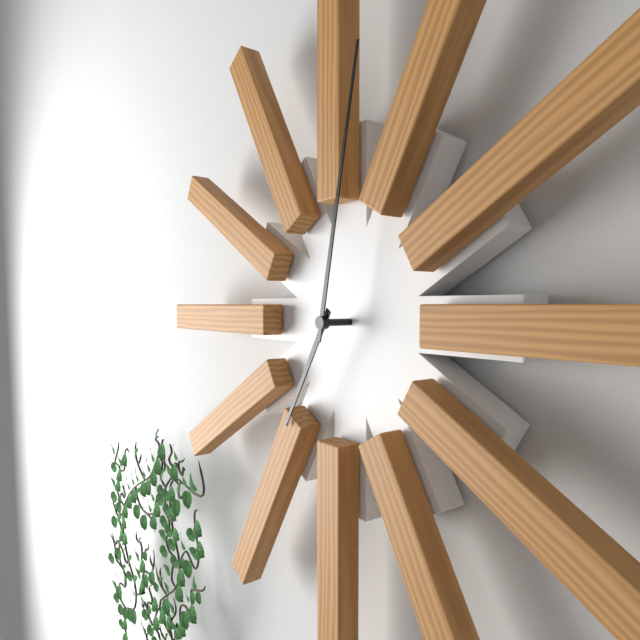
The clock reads 7h02
